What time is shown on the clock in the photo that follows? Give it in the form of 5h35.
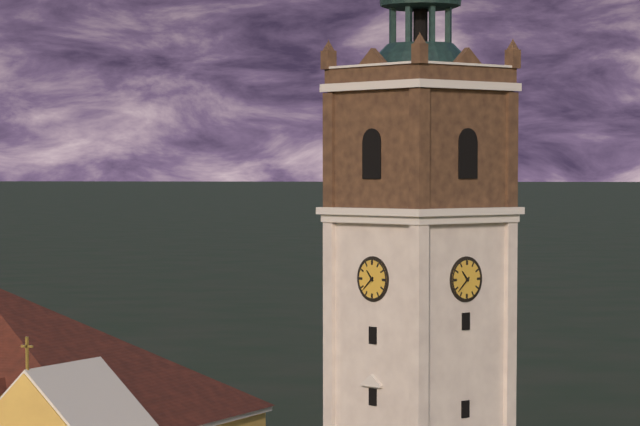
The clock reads 10h38
